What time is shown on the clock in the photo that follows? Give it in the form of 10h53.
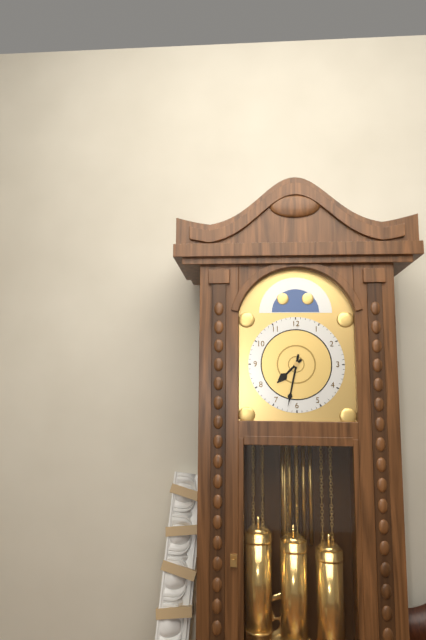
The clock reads 7h32
